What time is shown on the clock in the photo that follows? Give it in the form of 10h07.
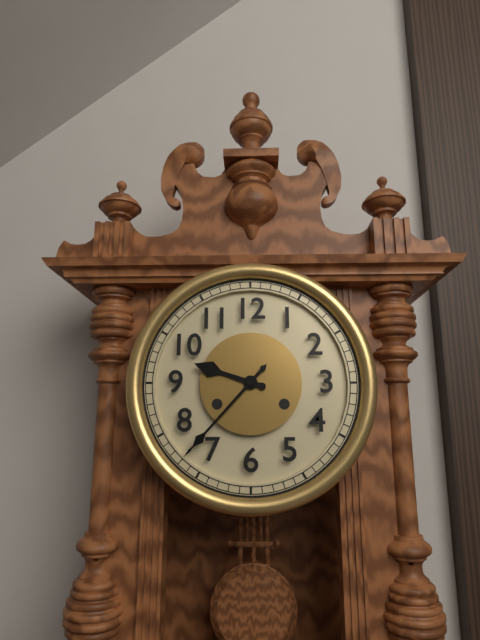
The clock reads 9h37
